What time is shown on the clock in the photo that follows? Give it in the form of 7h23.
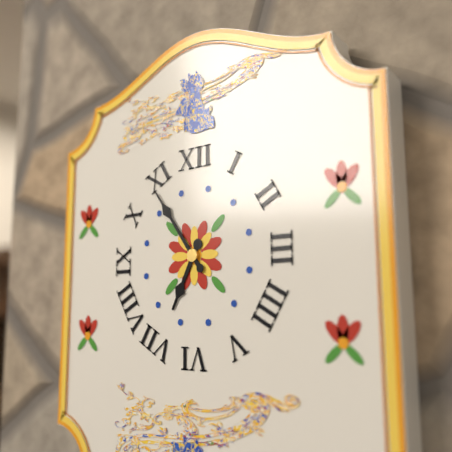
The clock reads 6h54
